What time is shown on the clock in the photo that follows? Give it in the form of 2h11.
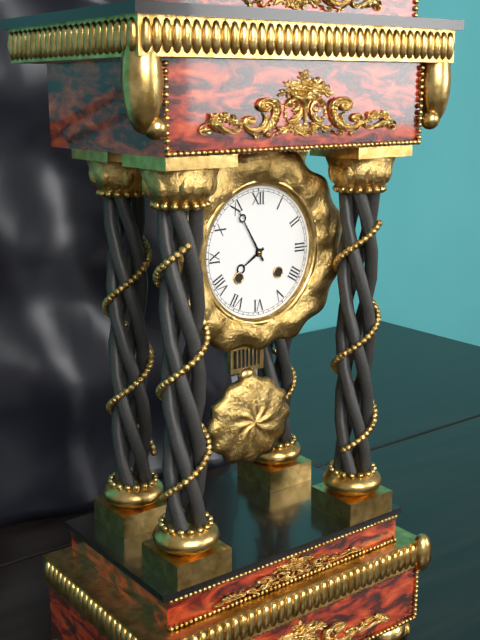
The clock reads 7h55
